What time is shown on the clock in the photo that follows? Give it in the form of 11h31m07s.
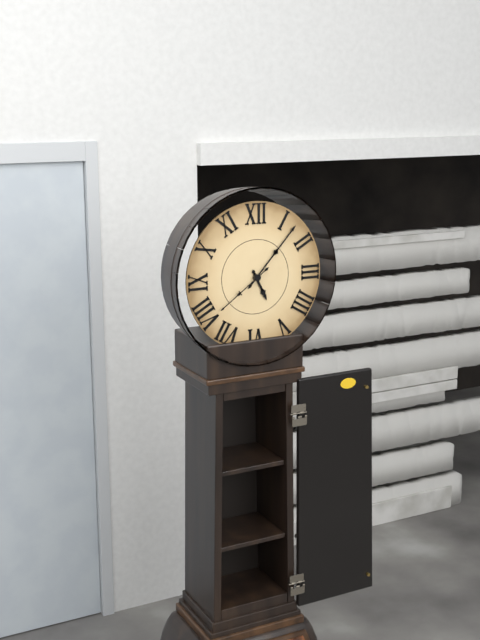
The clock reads 5h07m39s
